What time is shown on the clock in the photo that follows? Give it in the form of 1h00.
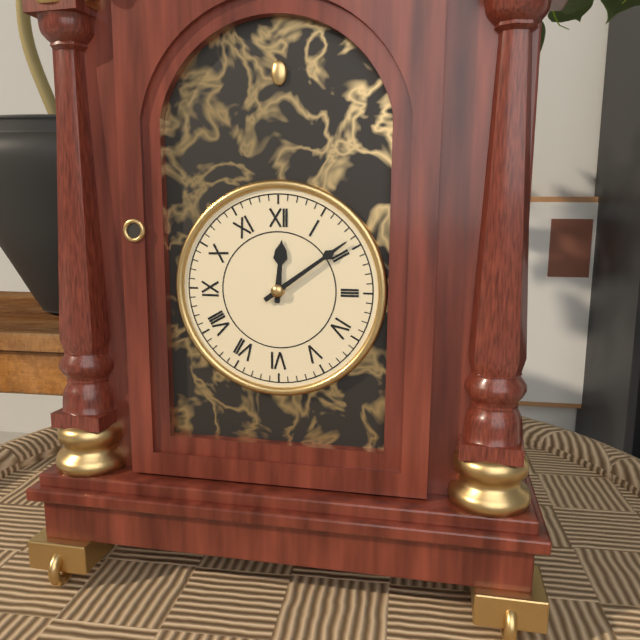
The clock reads 12h09
